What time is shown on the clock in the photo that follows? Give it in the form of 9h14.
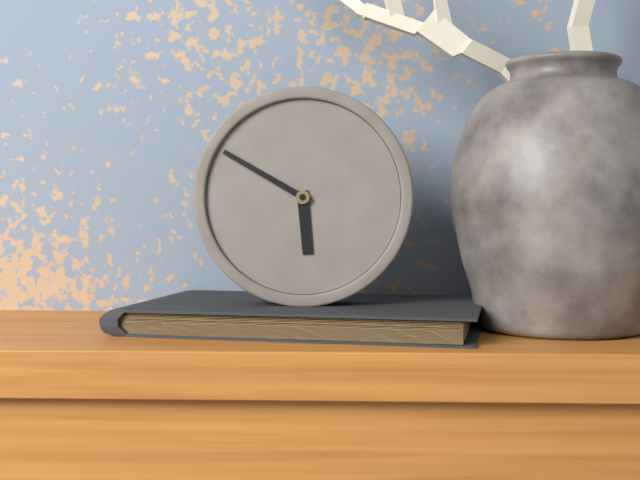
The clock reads 5h50
